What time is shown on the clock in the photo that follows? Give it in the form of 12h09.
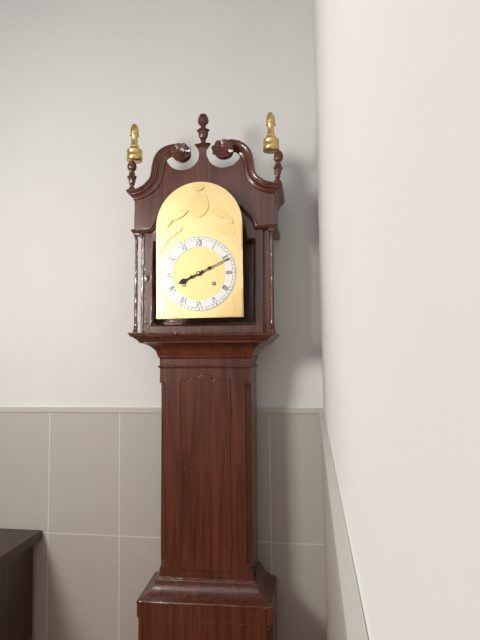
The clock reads 8h11
